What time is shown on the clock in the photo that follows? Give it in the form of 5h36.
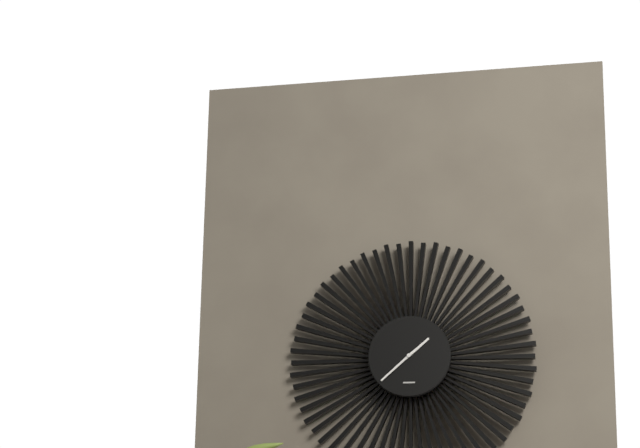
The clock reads 1h38
